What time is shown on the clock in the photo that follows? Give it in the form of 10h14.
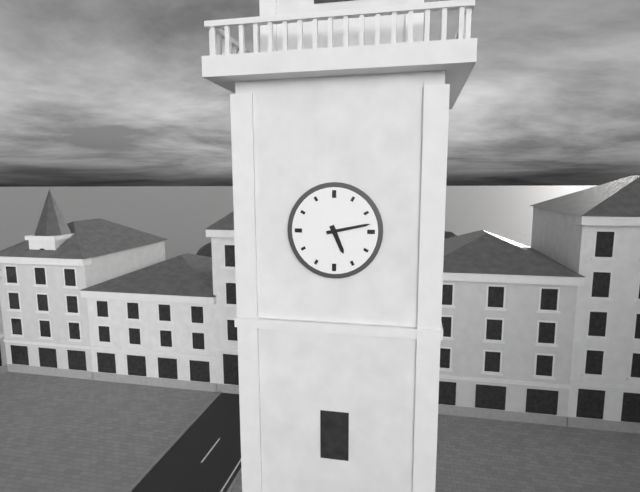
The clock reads 5h13
